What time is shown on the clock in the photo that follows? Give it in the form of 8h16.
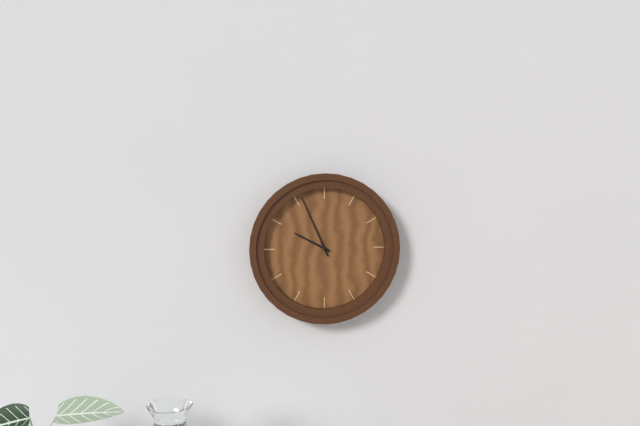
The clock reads 9h56
